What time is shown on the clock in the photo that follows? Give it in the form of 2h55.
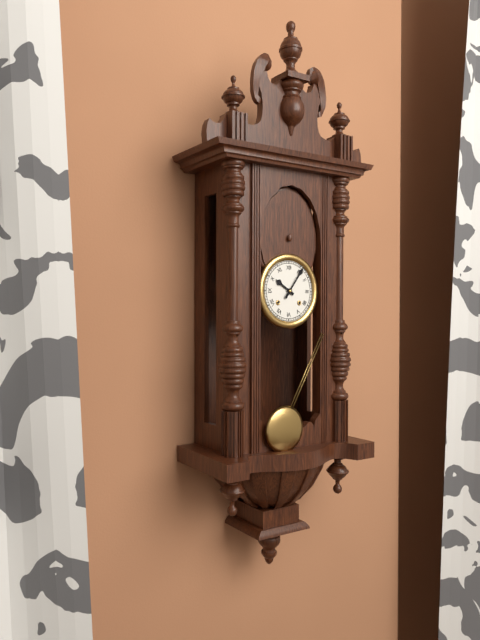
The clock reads 10h06
